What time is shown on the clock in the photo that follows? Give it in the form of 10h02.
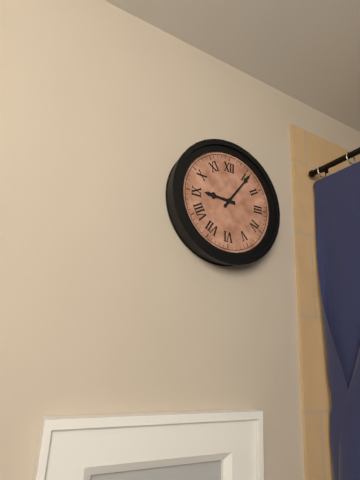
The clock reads 9h06
